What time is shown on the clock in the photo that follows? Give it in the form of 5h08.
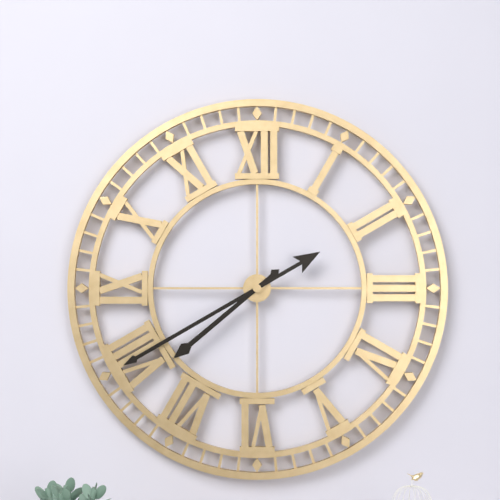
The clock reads 7h40
